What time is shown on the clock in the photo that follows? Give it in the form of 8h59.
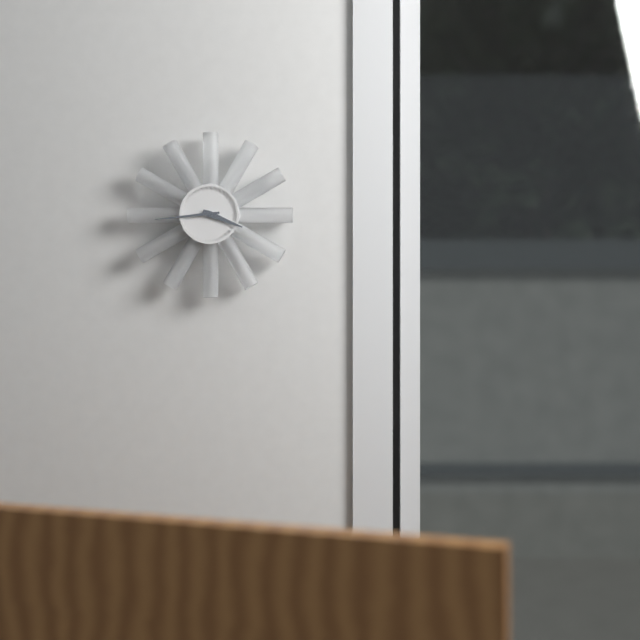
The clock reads 3h44
